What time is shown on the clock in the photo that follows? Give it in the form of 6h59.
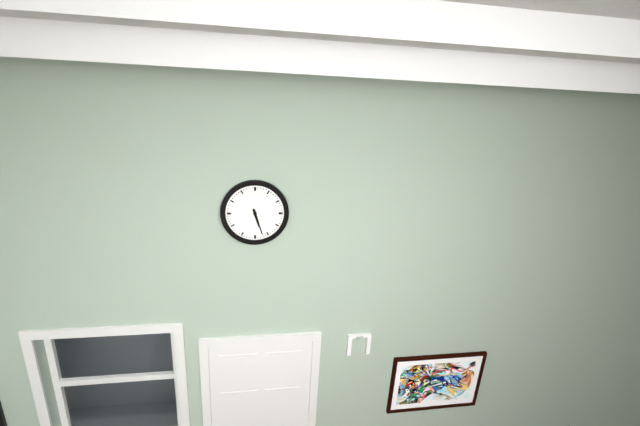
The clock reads 5h27
